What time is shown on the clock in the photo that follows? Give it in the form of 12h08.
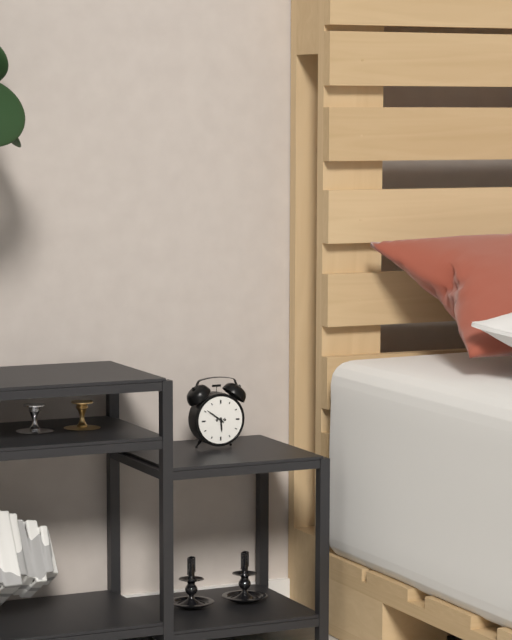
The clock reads 5h51
